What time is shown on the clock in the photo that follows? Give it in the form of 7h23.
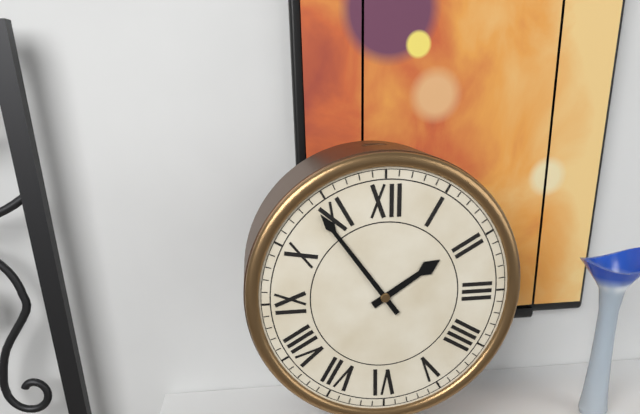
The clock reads 1h54
